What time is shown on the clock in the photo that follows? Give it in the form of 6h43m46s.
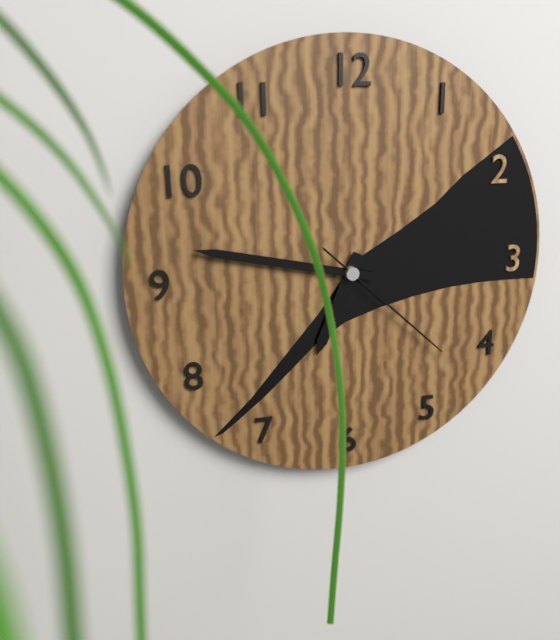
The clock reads 6h47m22s
